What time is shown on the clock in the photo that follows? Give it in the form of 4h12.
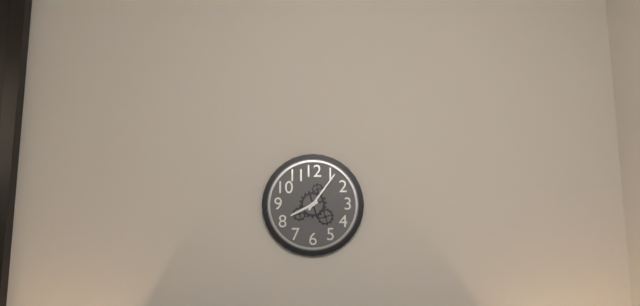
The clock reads 8h06
